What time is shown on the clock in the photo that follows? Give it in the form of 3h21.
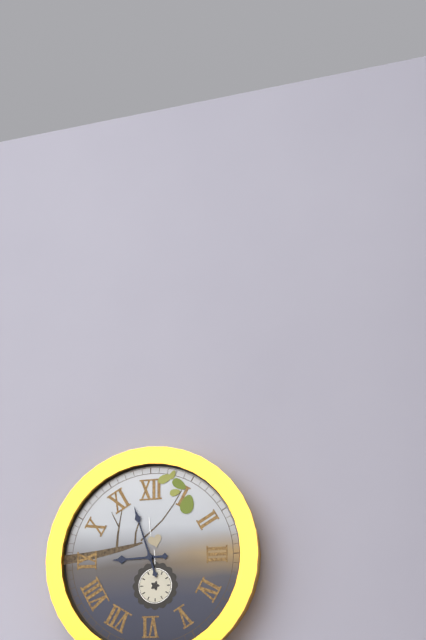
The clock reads 8h57
